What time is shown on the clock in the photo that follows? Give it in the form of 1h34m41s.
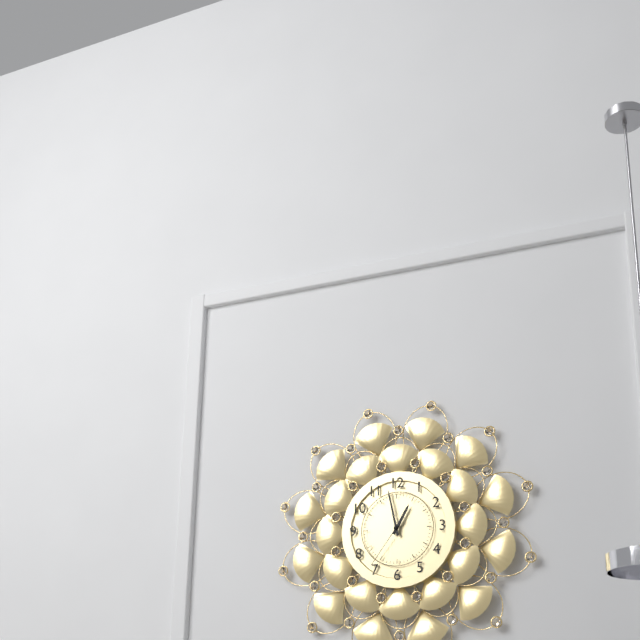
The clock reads 12h58m36s
